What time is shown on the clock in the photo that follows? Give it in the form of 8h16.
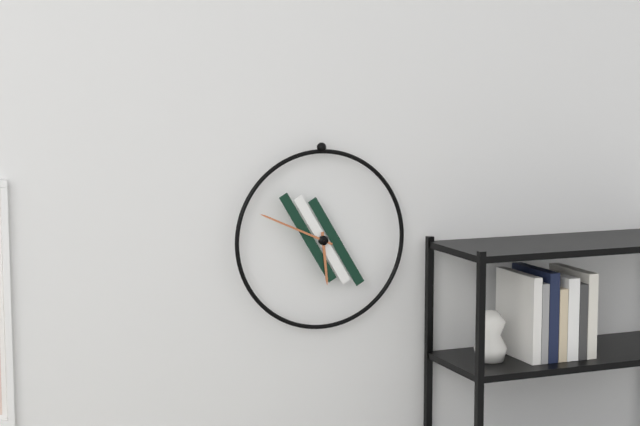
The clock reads 5h49
